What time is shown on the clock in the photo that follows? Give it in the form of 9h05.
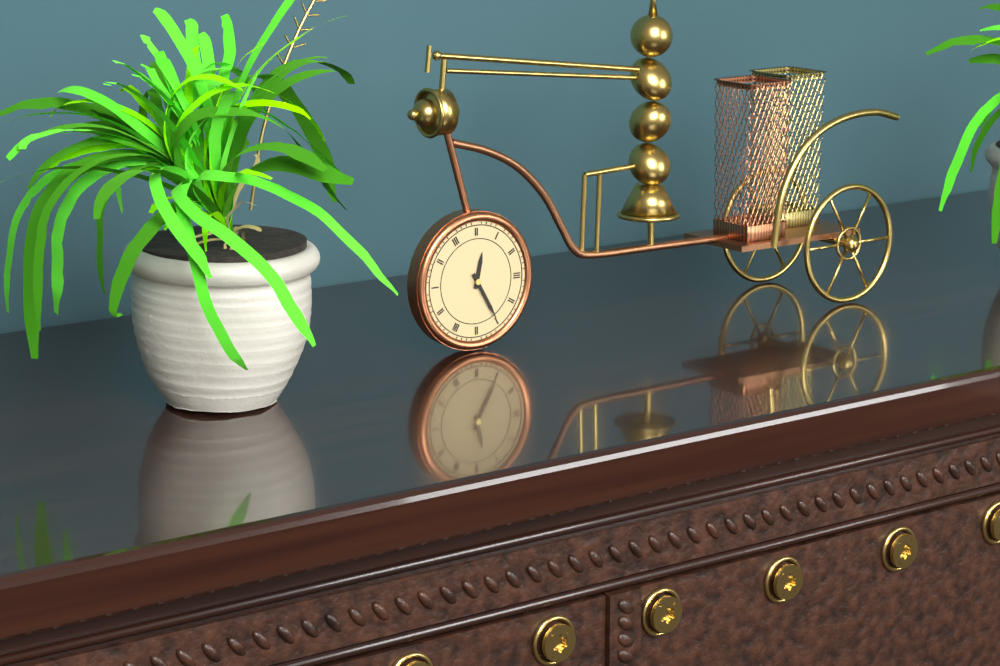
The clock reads 12h25
